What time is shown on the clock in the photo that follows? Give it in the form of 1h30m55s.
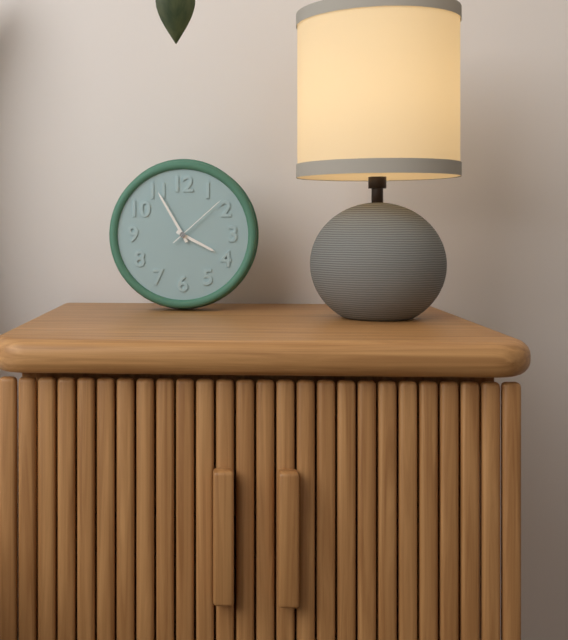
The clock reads 3h55m08s
